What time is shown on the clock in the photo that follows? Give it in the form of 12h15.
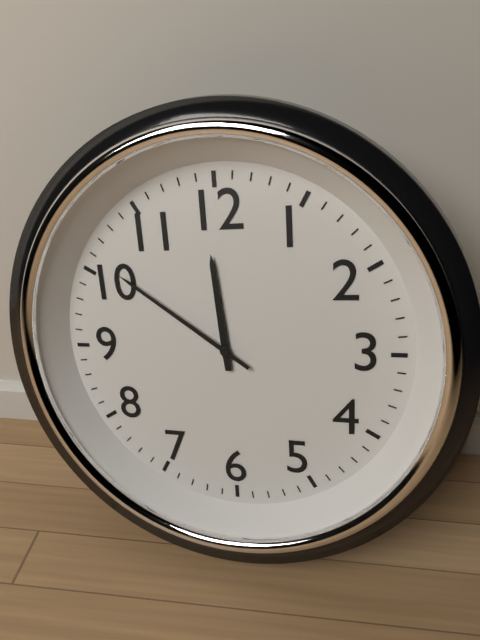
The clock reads 11h51
